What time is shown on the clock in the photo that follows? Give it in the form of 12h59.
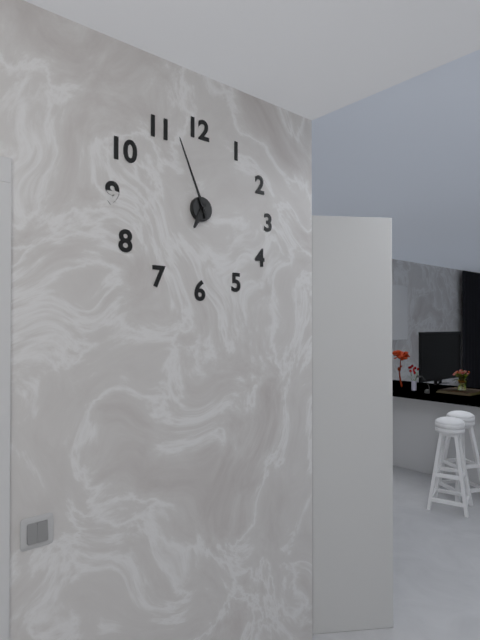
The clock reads 6h56
